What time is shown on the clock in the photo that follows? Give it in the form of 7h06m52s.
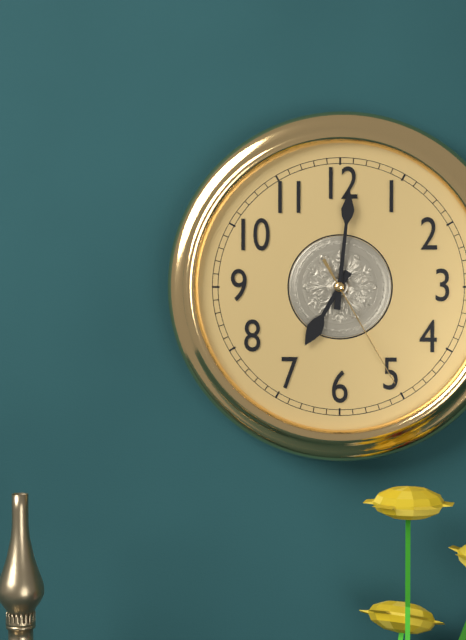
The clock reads 7h01m25s
